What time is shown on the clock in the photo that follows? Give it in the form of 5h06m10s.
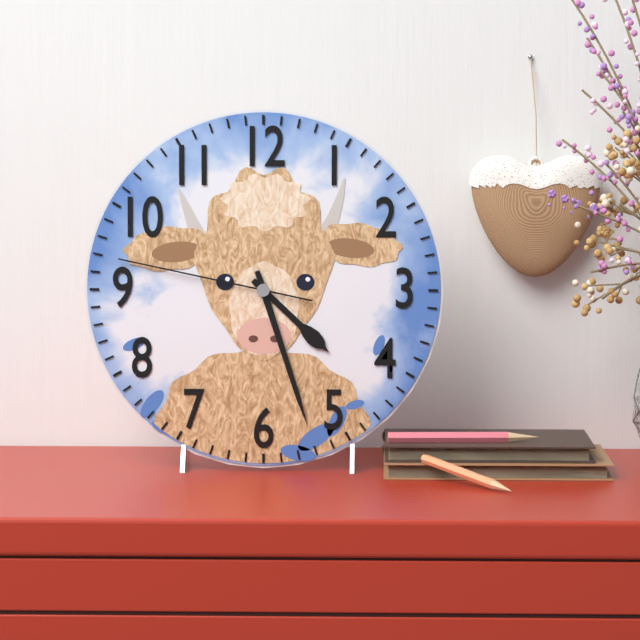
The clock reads 4h27m47s
